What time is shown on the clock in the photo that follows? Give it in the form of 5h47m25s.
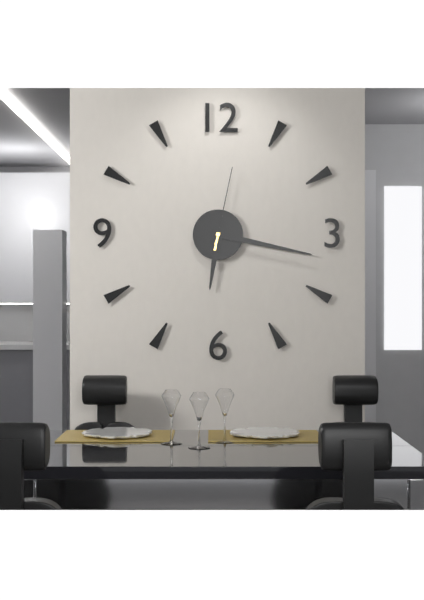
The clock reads 6h17m02s
